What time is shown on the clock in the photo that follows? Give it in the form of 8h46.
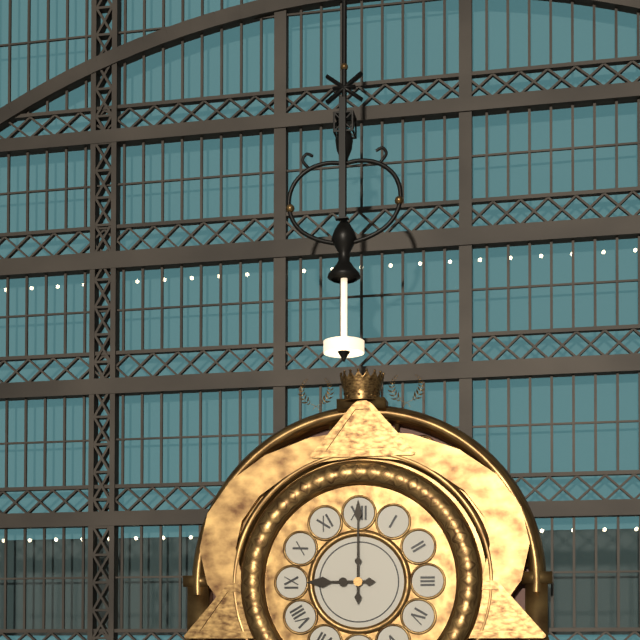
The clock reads 9h00
